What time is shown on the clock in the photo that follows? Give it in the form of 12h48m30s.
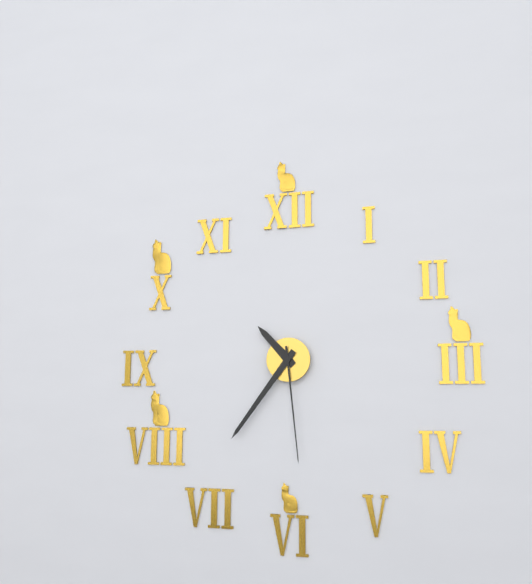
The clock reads 10h36m29s
